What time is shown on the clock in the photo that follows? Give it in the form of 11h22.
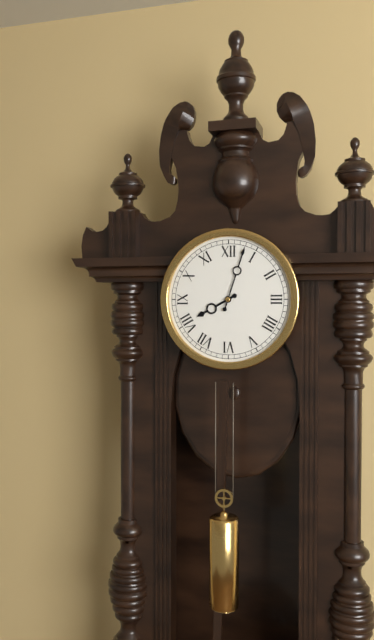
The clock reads 8h03
